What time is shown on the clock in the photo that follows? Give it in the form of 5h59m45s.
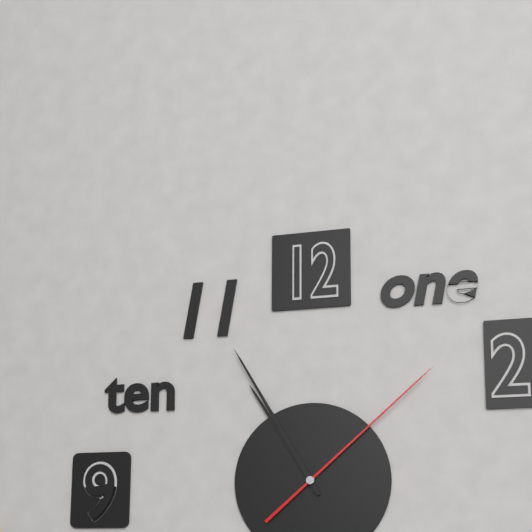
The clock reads 10h55m08s
